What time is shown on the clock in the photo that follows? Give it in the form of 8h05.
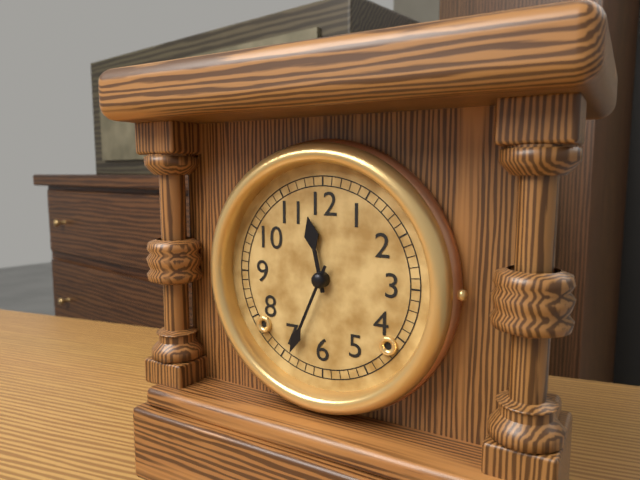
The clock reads 11h34
